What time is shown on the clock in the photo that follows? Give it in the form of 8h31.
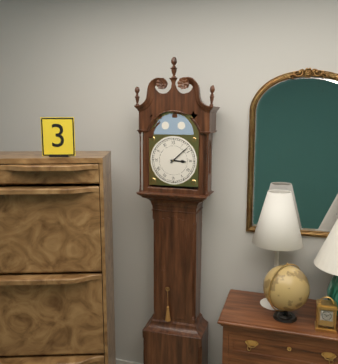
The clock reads 3h08
